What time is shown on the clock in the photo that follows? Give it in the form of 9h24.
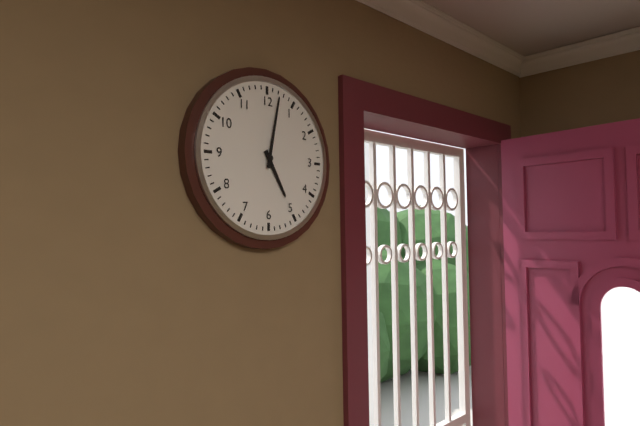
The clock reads 5h02
